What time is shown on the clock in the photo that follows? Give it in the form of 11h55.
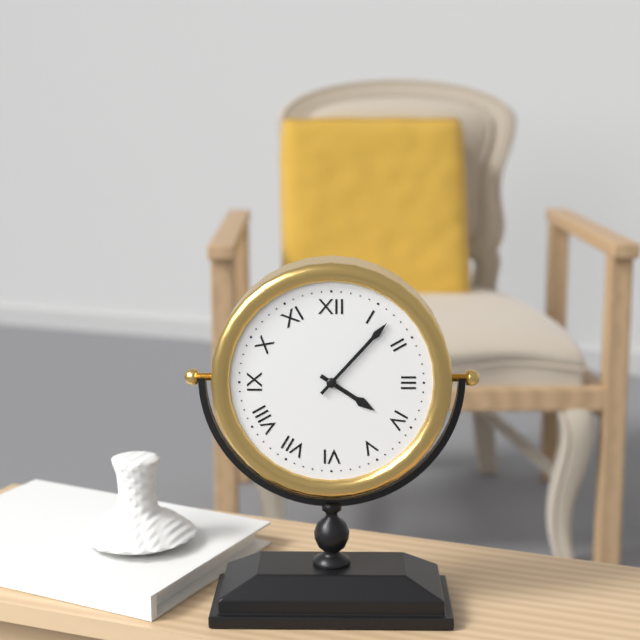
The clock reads 4h07
